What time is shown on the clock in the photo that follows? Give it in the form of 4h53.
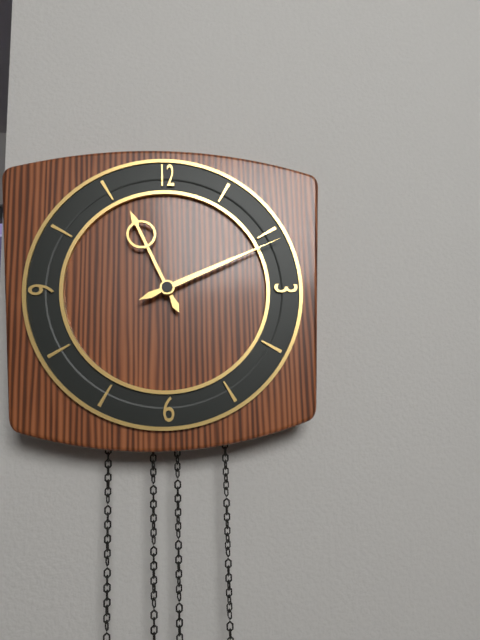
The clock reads 11h11
